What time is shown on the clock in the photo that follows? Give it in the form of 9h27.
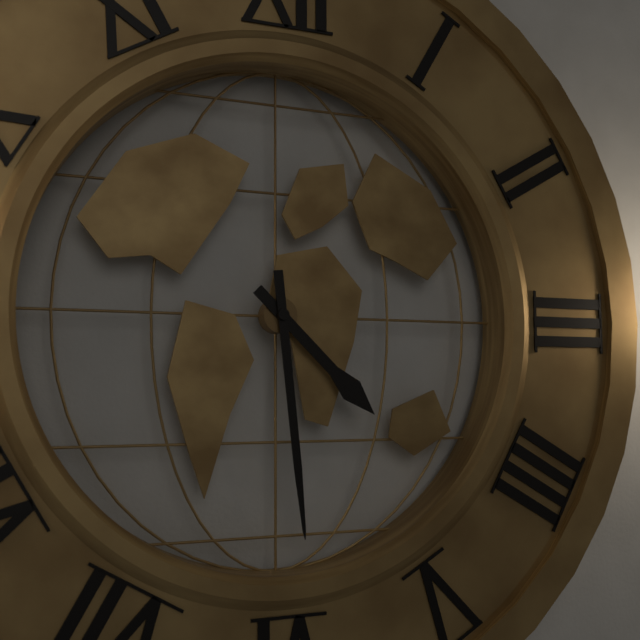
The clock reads 4h29
